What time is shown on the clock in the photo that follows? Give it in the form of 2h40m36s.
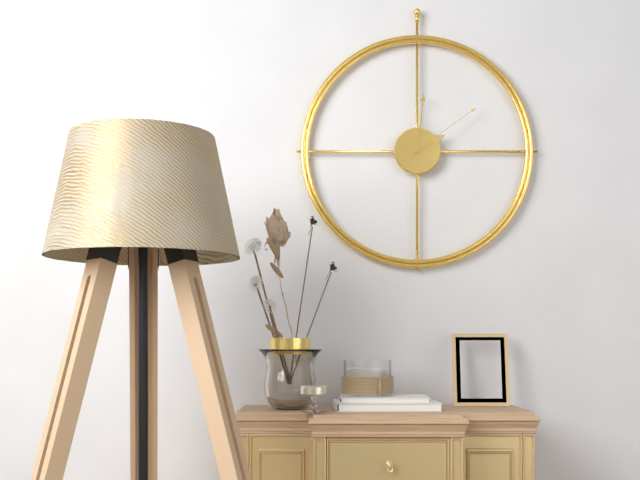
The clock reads 2h01m09s
